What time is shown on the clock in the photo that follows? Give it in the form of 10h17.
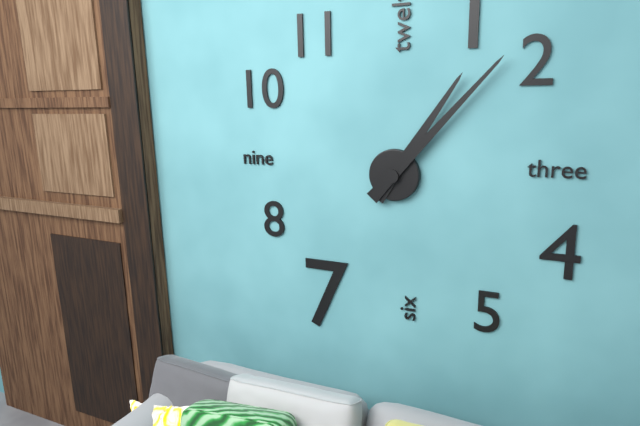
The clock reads 1h07
